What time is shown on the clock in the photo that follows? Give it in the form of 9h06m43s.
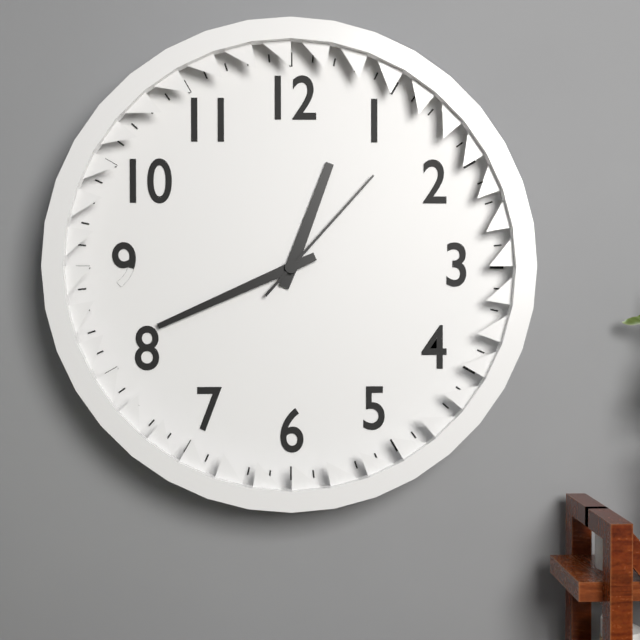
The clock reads 12h41m07s
